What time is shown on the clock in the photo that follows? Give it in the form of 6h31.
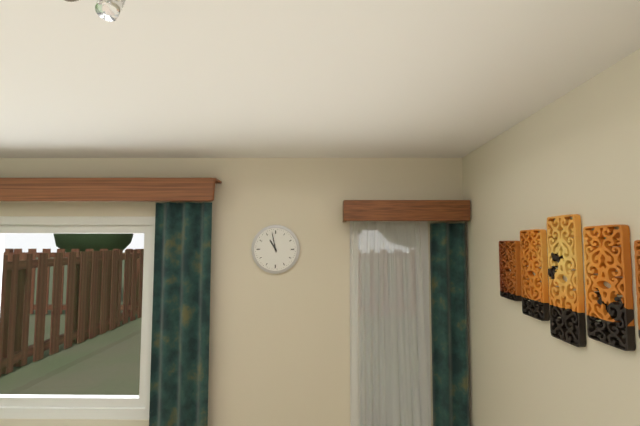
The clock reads 10h58
